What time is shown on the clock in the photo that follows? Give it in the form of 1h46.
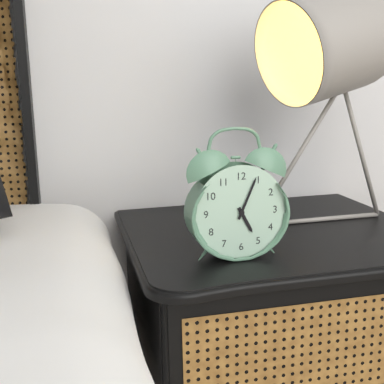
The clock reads 5h04
